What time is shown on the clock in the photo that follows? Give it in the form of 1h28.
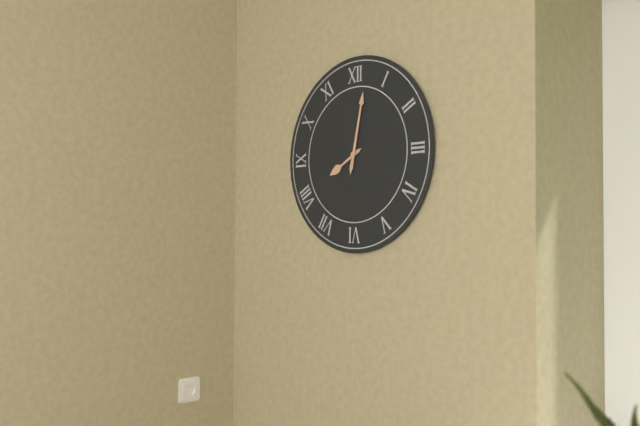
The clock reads 8h02
